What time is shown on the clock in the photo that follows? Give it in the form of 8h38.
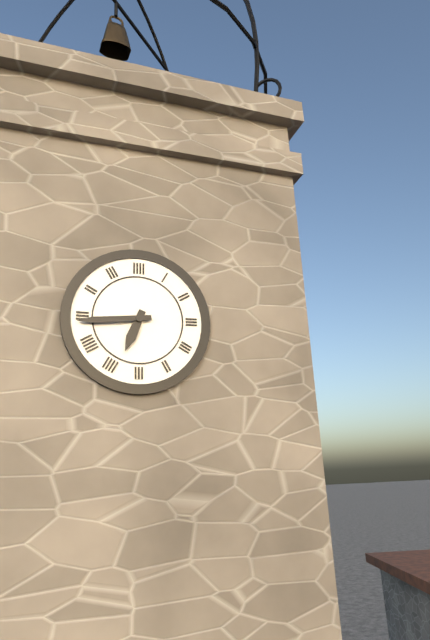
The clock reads 6h44
